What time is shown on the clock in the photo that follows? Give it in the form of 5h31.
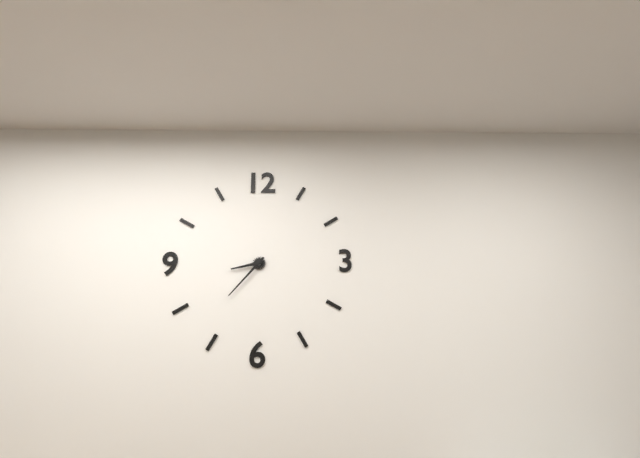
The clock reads 8h37
